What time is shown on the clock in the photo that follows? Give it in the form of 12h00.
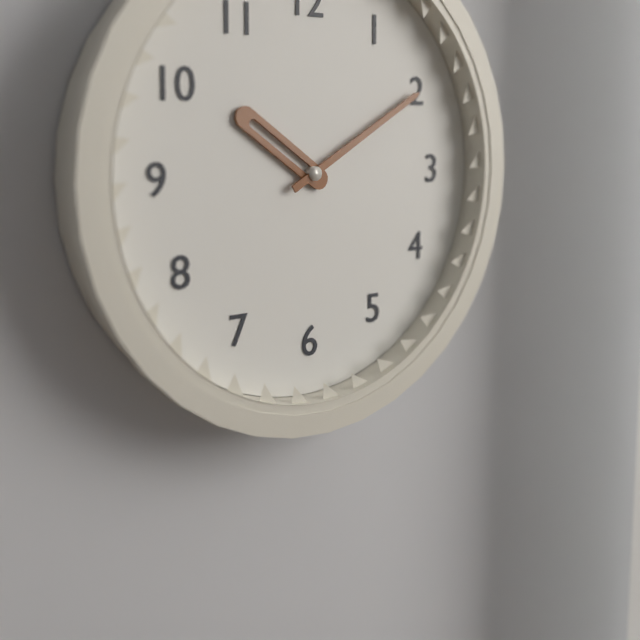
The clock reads 10h10
